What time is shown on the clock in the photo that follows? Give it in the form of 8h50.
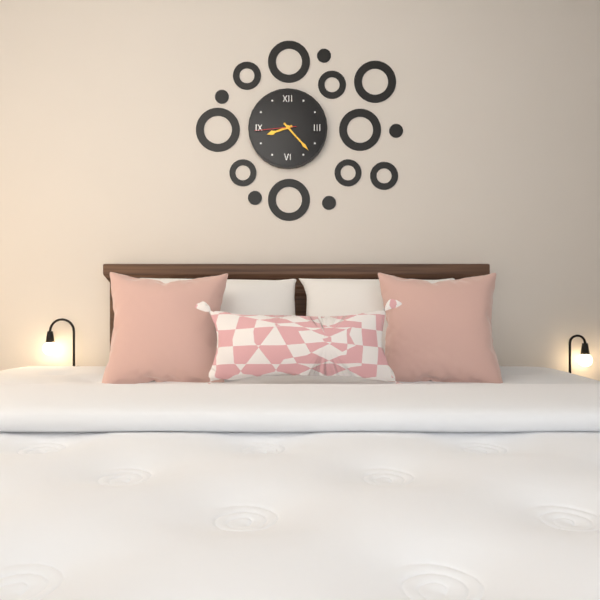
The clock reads 8h23
